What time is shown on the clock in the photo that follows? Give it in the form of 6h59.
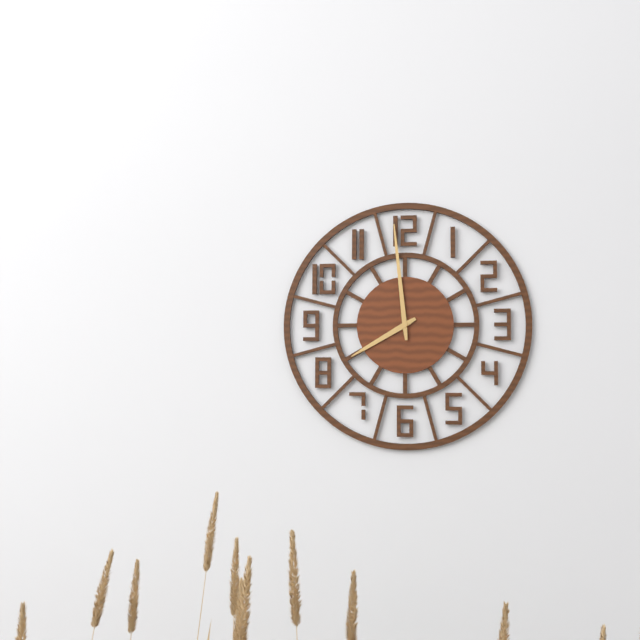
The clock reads 7h59
